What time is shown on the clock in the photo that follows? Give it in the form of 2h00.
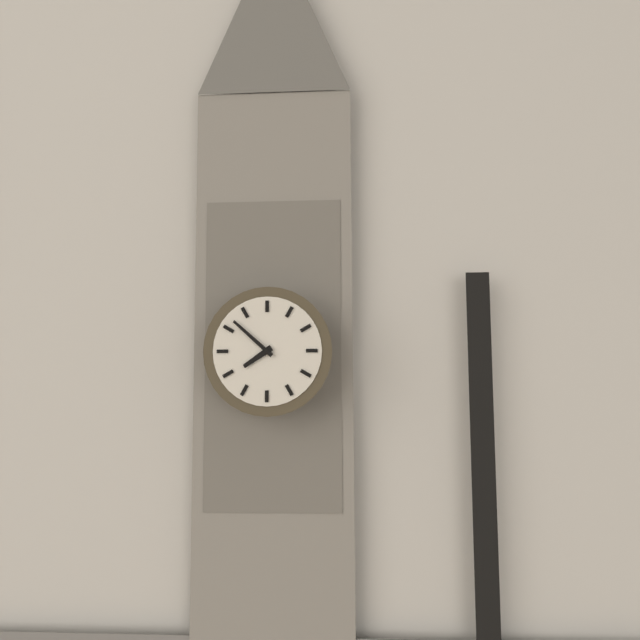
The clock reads 7h52
